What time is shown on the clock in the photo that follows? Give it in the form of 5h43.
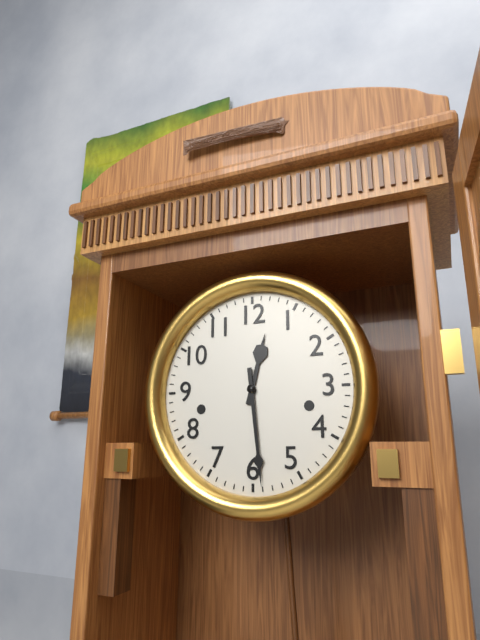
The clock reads 12h29
